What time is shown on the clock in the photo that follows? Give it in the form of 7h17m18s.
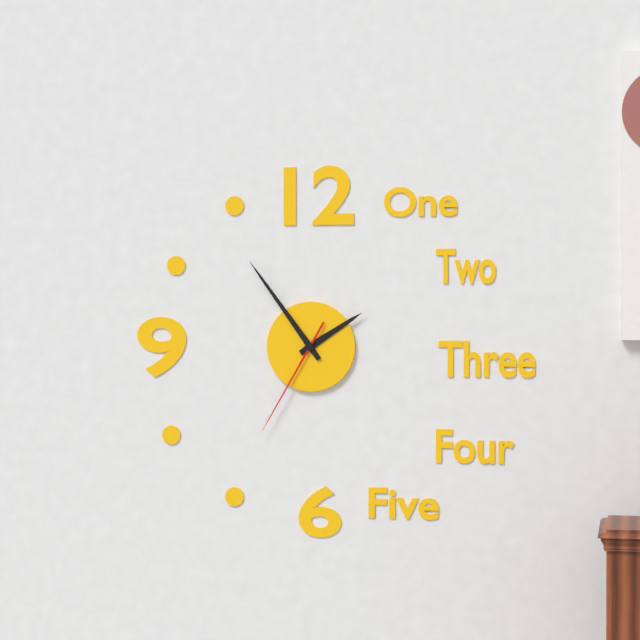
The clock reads 1h54m35s
